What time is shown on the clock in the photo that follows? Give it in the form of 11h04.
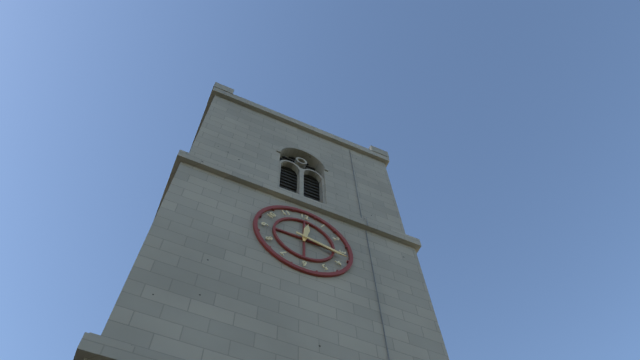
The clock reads 12h17
